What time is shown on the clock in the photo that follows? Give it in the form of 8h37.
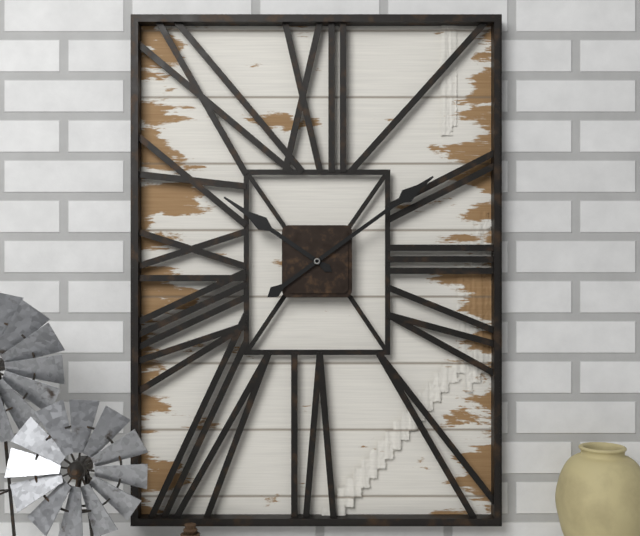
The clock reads 10h09
